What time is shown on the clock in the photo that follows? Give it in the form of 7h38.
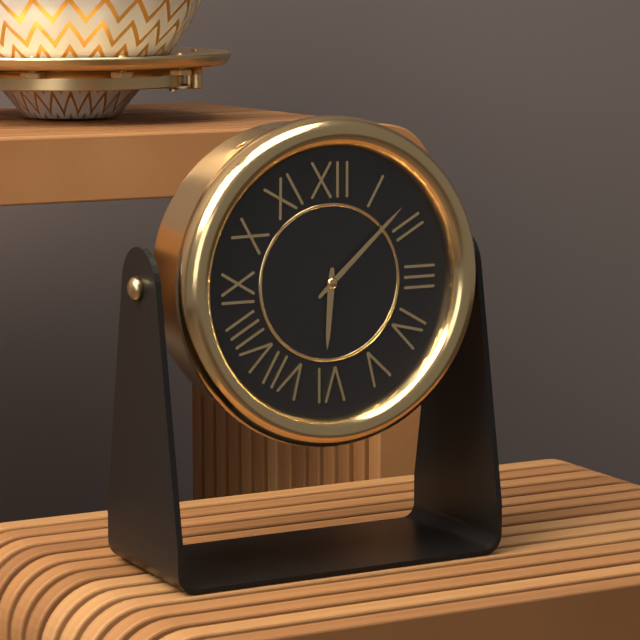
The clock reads 6h08
